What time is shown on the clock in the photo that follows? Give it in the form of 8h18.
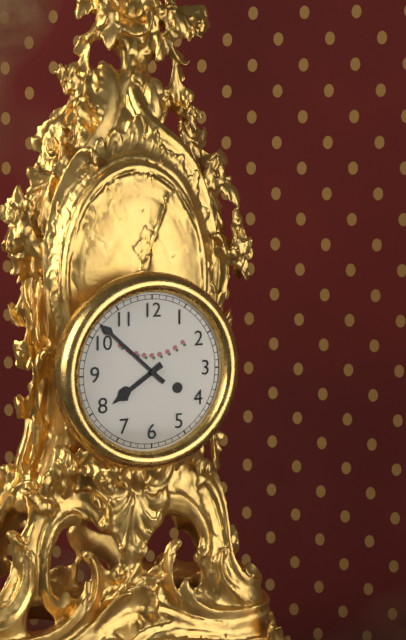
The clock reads 7h52
